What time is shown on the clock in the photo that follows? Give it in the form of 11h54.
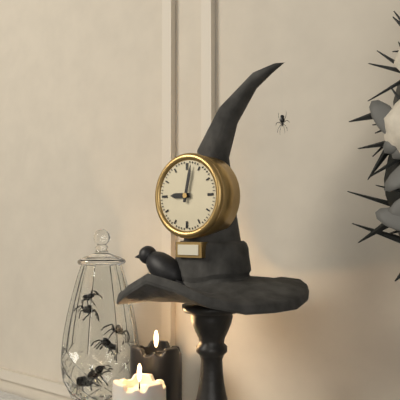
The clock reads 9h02
